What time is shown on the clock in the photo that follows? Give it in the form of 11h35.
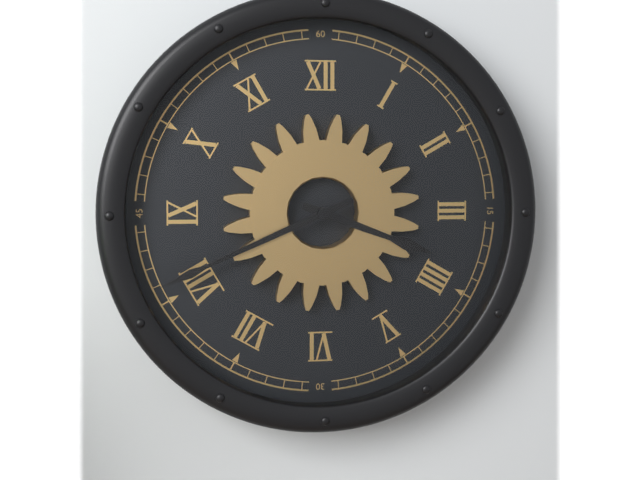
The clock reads 3h41
